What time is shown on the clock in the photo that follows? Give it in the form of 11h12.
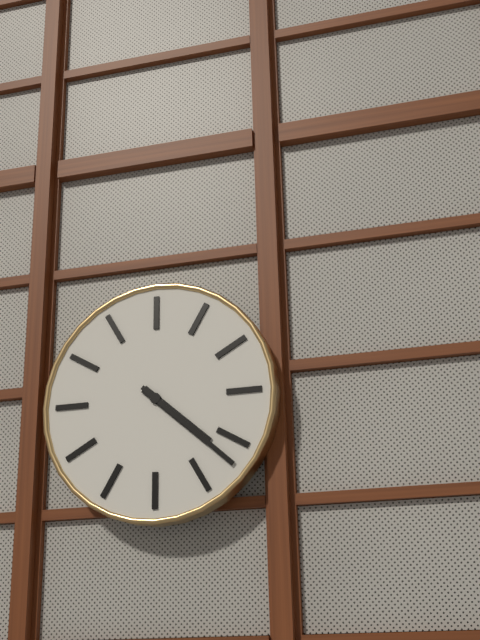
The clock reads 4h22
